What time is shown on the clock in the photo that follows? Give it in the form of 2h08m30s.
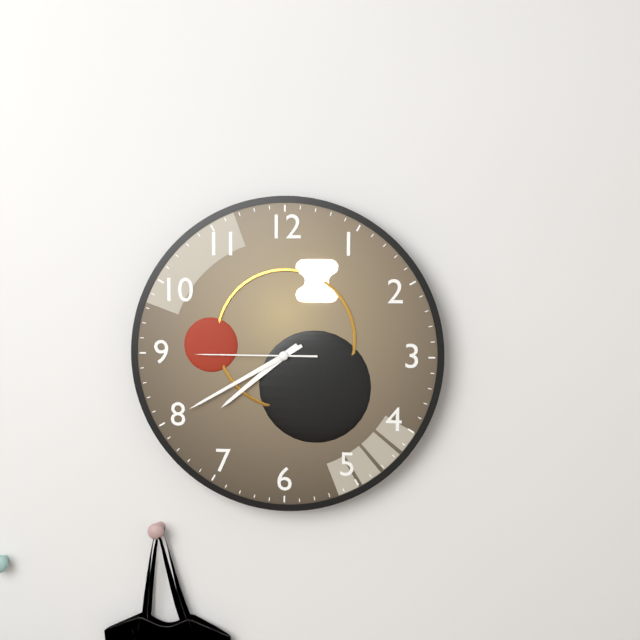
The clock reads 7h40m45s
